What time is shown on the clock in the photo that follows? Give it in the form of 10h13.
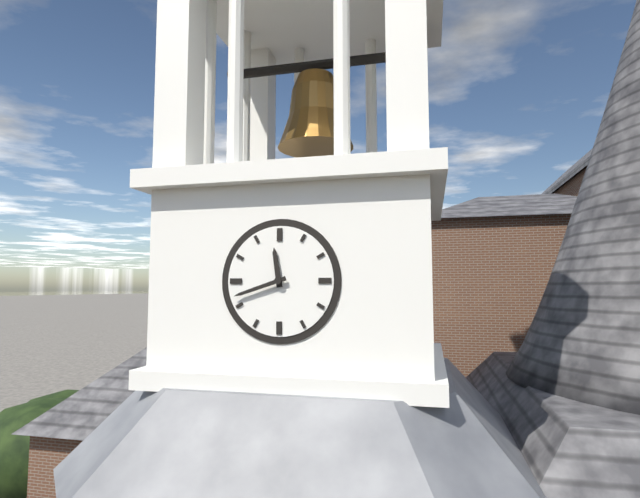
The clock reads 11h42
